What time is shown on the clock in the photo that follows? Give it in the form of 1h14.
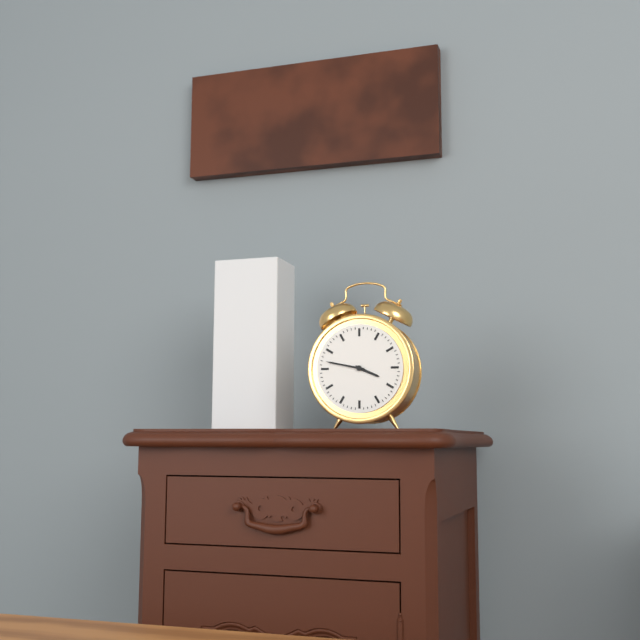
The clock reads 3h47
